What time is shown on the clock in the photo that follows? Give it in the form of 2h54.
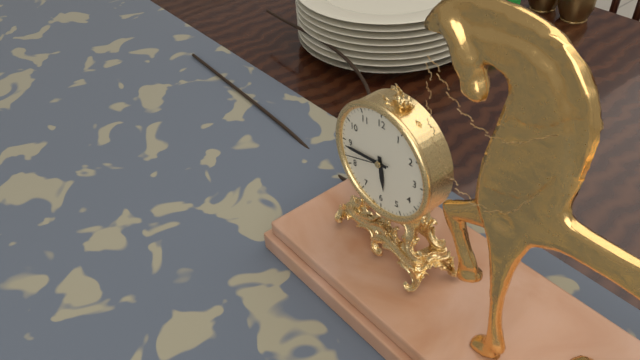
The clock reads 5h44
